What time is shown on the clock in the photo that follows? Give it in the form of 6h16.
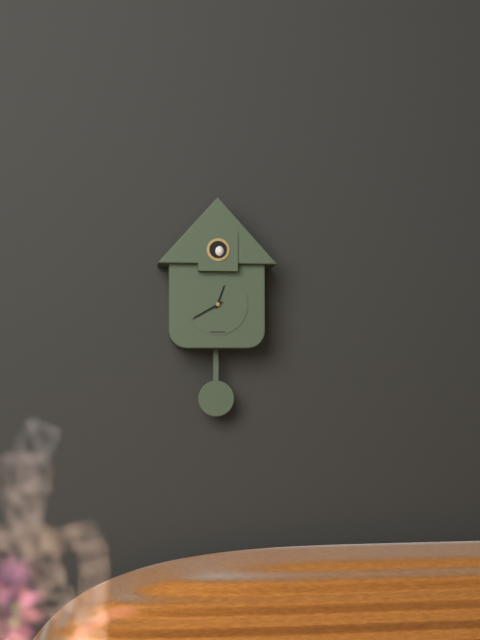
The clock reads 12h40
